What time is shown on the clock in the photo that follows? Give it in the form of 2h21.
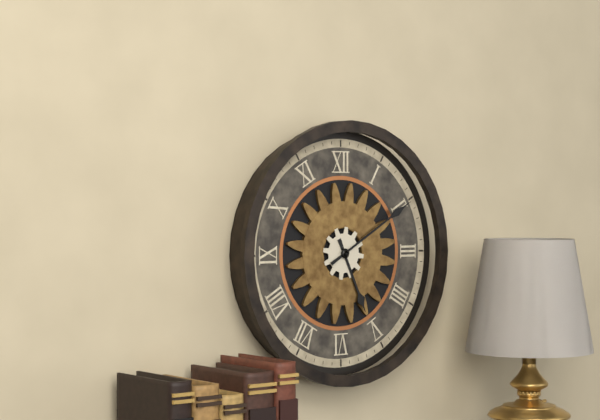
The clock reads 5h10
